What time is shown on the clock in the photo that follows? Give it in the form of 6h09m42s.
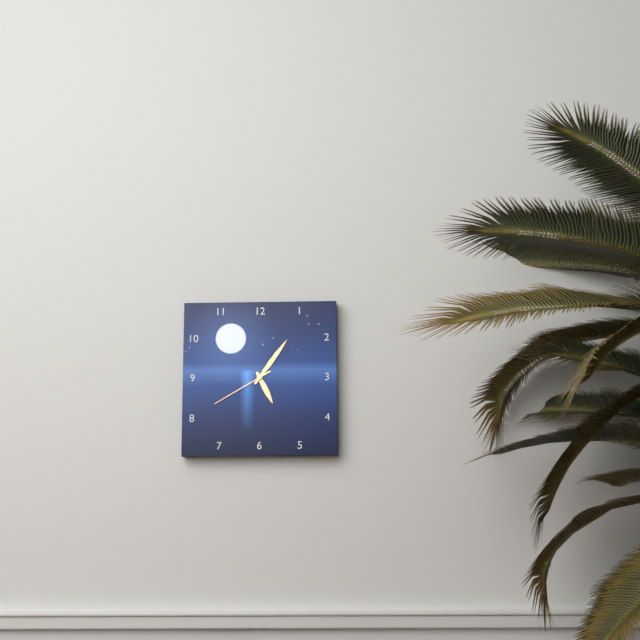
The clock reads 5h06m40s
